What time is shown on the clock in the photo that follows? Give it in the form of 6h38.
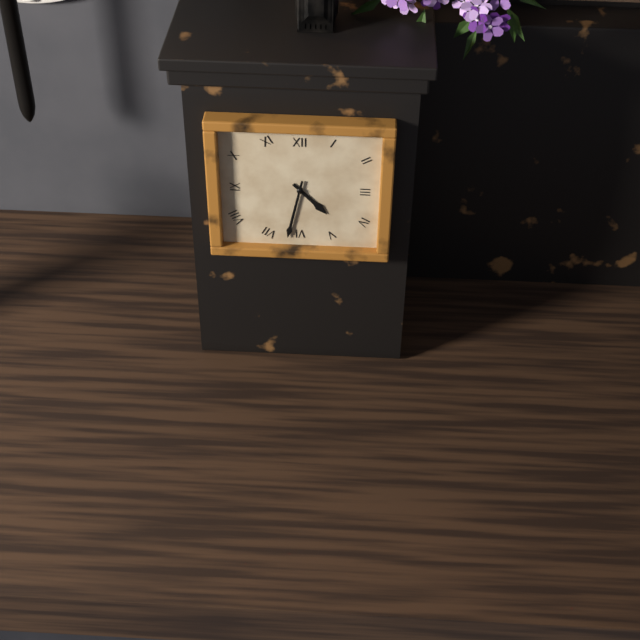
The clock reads 4h32
